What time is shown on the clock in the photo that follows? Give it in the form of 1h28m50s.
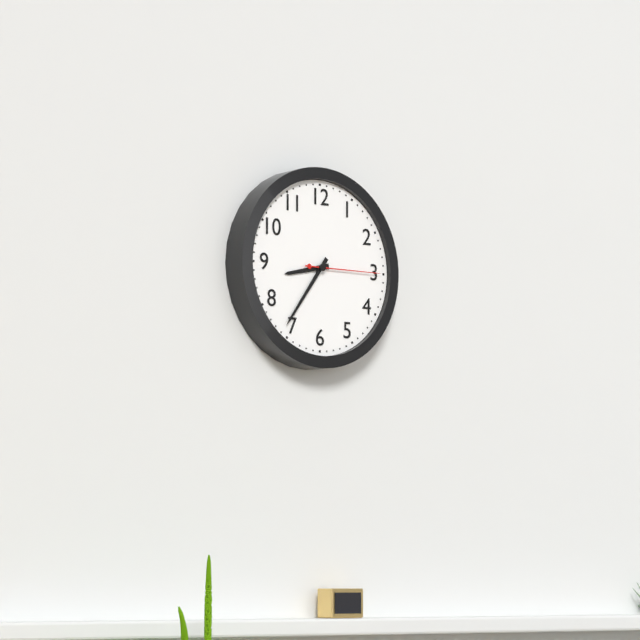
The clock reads 8h36m15s
